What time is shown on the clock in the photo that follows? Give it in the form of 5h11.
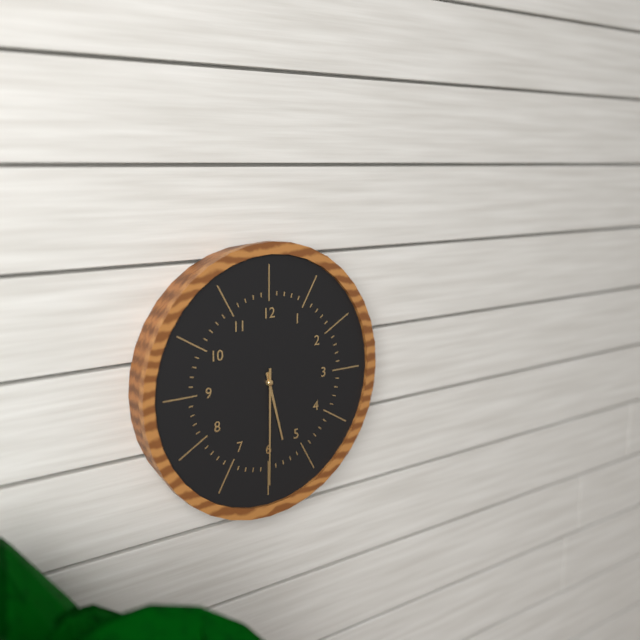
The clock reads 5h30
